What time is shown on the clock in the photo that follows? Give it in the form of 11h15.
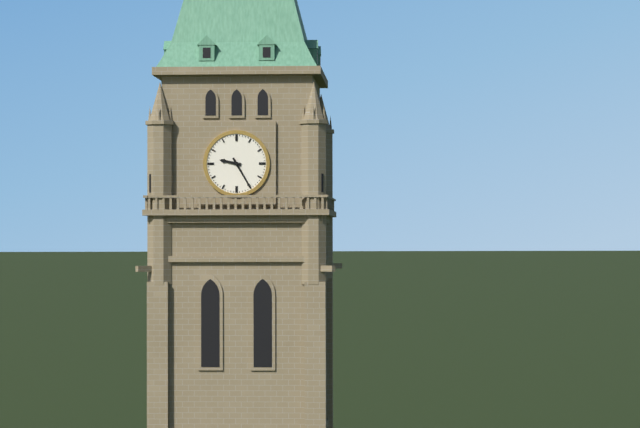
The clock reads 9h25
